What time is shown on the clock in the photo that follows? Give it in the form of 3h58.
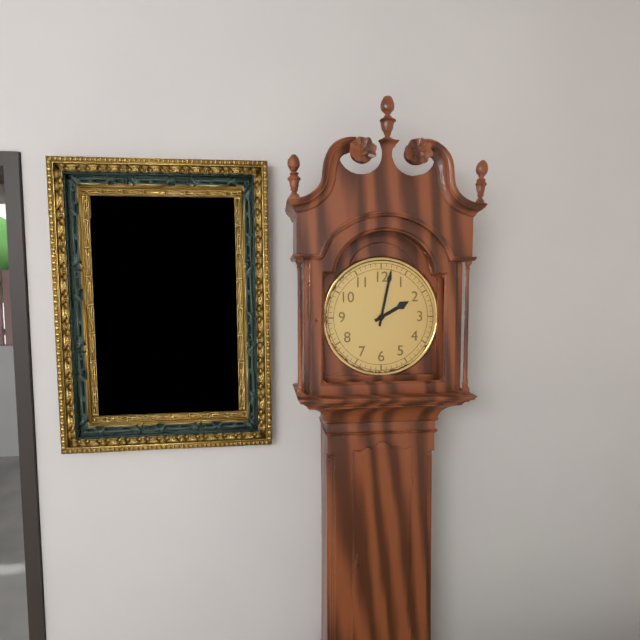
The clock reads 2h02
